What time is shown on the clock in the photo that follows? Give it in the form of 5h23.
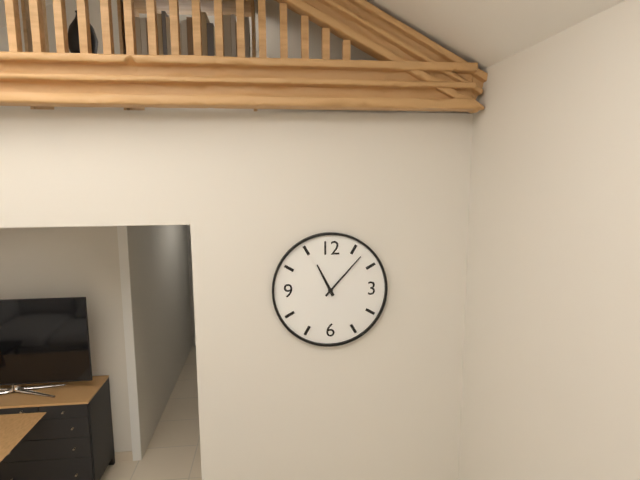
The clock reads 11h07
